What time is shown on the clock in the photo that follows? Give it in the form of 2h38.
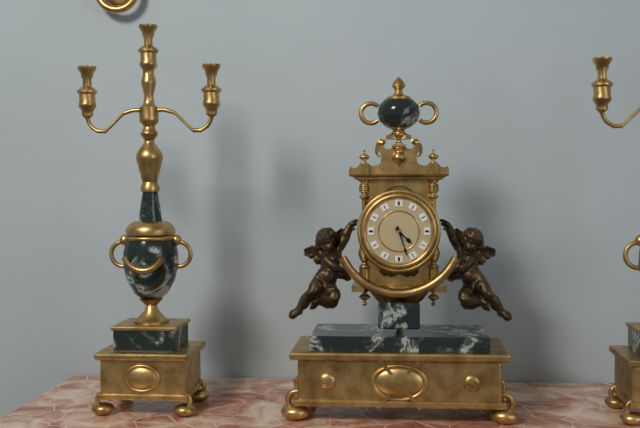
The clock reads 4h27
